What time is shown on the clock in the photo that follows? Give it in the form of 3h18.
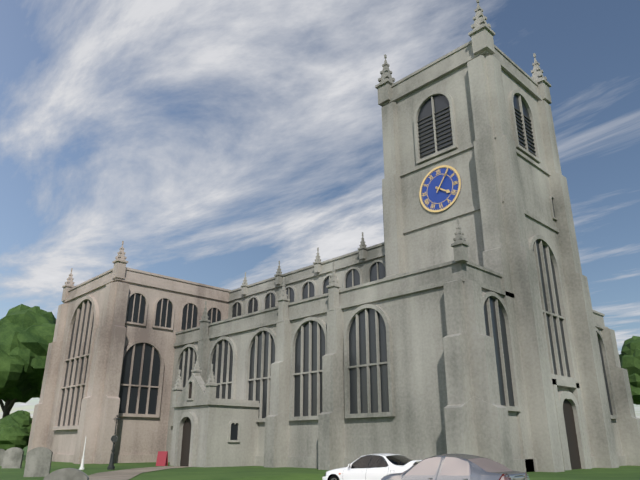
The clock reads 4h06
